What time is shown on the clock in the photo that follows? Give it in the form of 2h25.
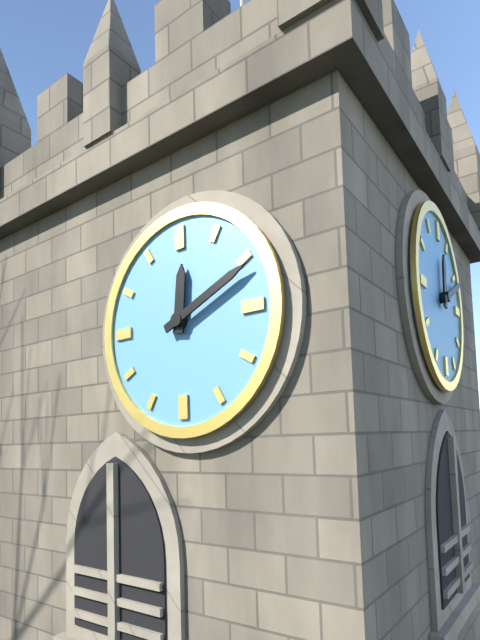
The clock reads 12h11
